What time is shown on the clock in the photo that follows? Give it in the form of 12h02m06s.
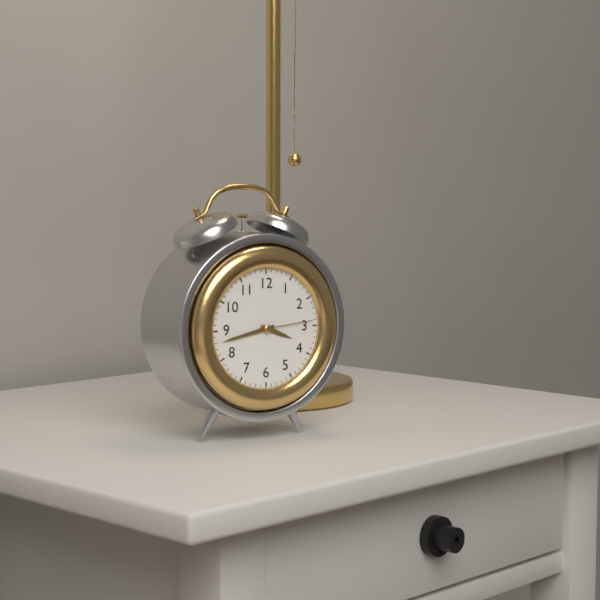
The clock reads 3h43m14s
